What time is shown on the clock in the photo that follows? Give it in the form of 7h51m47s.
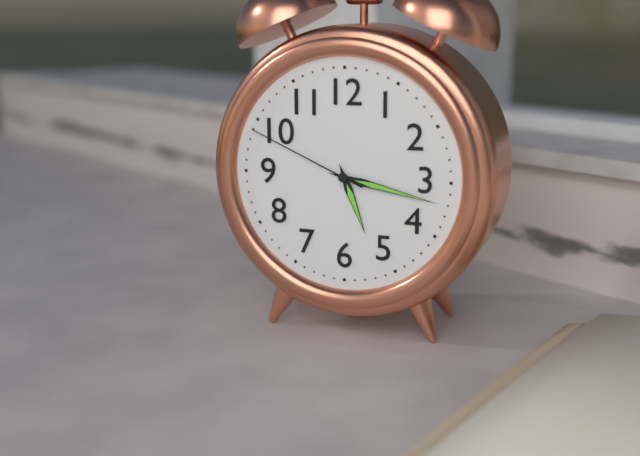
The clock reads 5h17m49s
